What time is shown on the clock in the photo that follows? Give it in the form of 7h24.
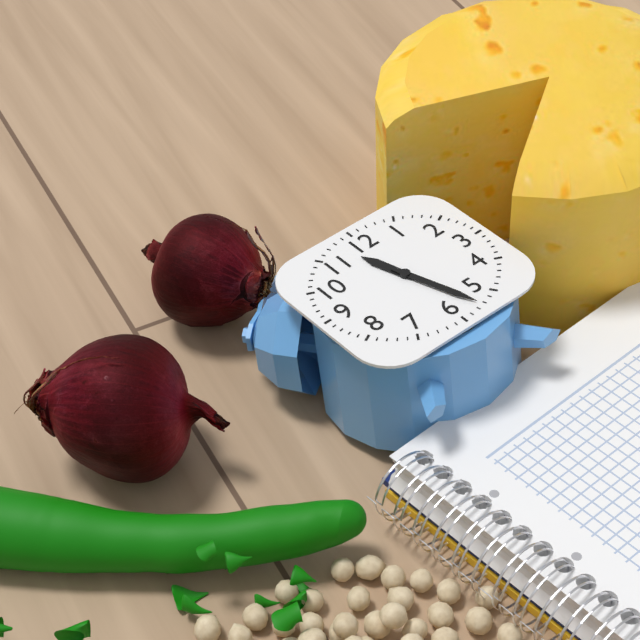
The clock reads 11h27
